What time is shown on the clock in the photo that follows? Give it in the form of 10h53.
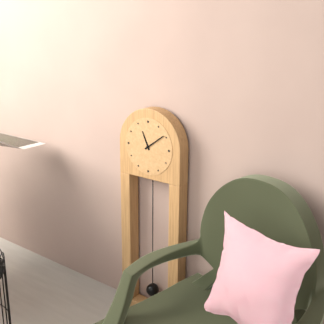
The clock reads 11h09
